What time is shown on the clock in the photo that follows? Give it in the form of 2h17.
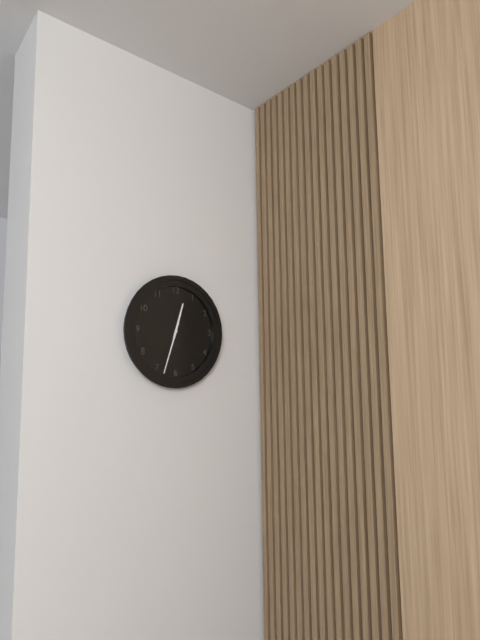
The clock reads 12h33
